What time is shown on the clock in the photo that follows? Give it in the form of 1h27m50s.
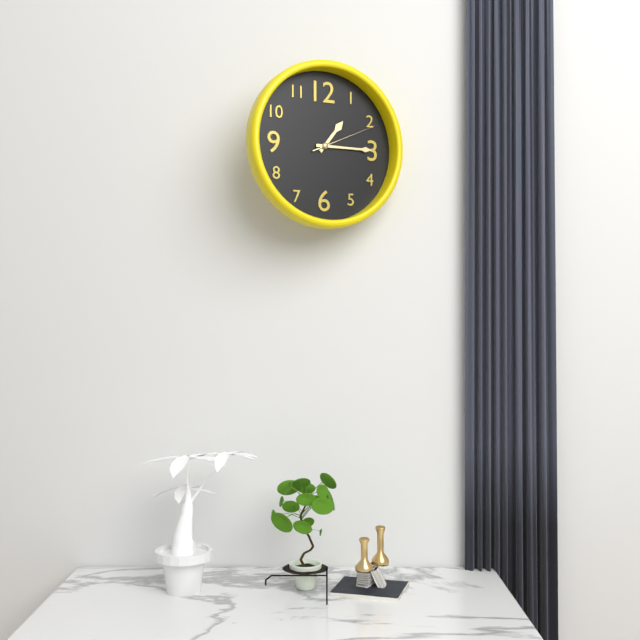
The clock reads 1h15m11s
